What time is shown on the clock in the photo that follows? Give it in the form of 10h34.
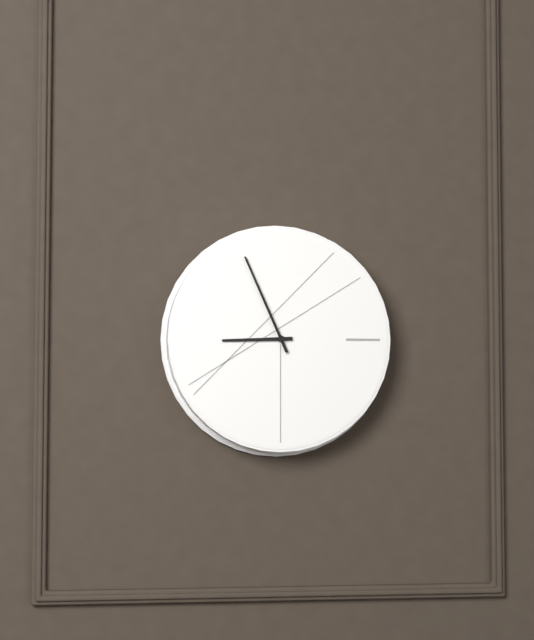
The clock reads 8h56
